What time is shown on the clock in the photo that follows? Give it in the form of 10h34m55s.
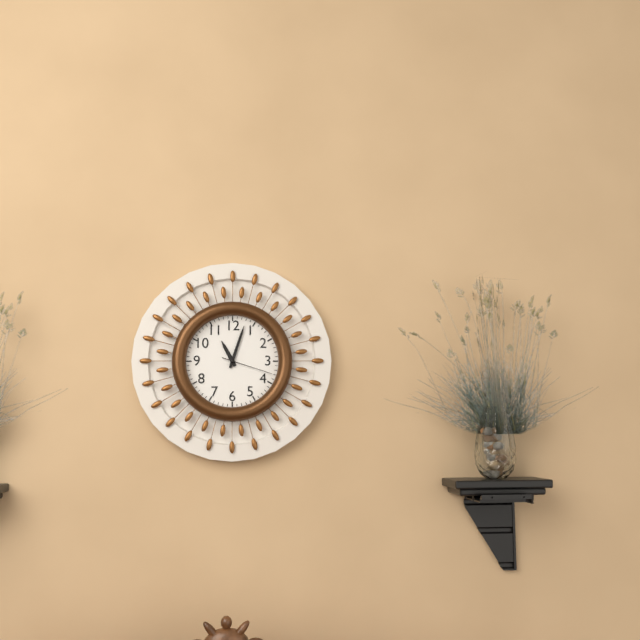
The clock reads 11h03m18s
